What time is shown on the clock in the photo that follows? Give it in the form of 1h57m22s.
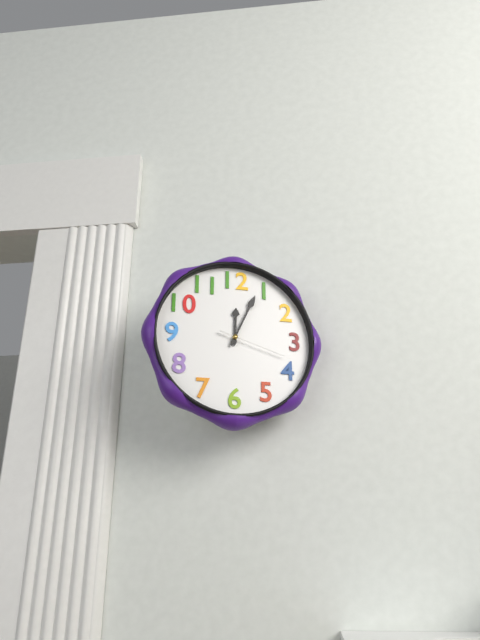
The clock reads 12h04m18s
